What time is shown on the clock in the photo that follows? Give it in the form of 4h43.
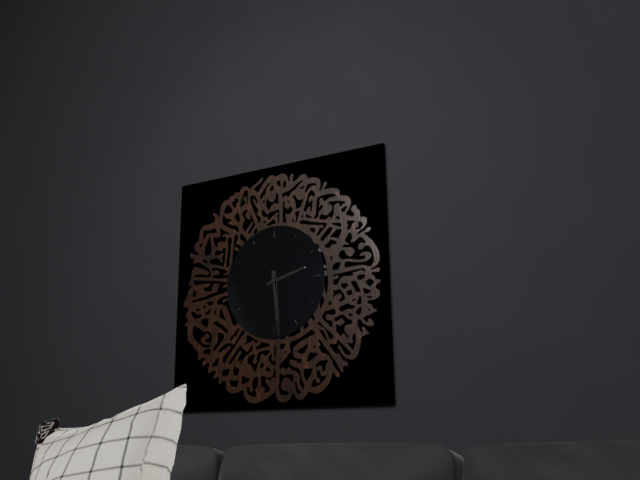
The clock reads 2h29
